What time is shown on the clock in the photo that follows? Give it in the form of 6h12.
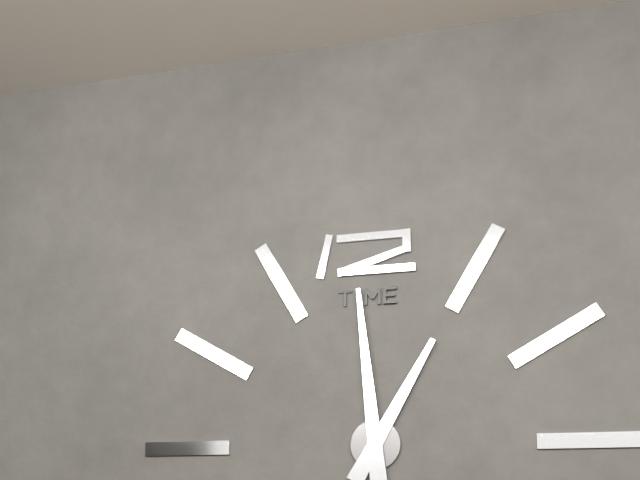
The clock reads 12h59
